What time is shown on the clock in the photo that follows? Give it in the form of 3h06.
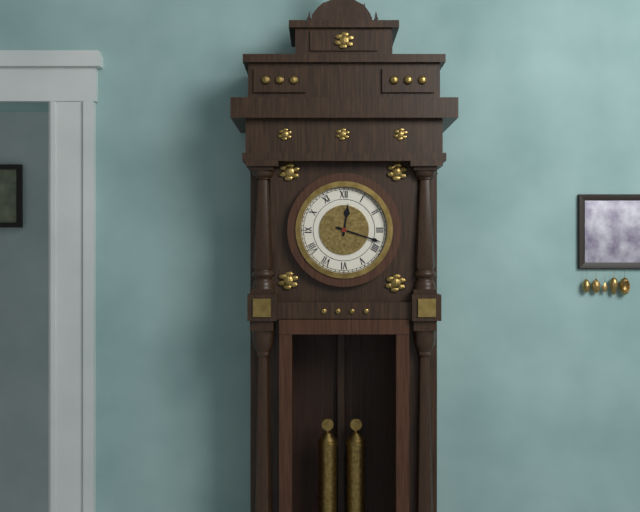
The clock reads 12h18
